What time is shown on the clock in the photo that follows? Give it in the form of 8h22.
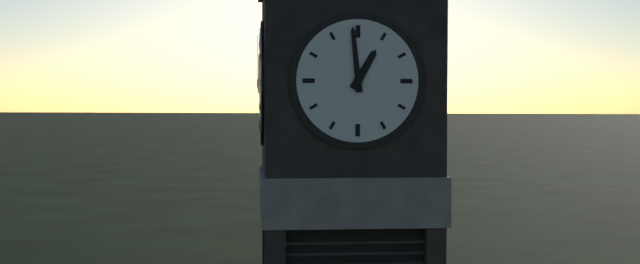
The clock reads 12h59
